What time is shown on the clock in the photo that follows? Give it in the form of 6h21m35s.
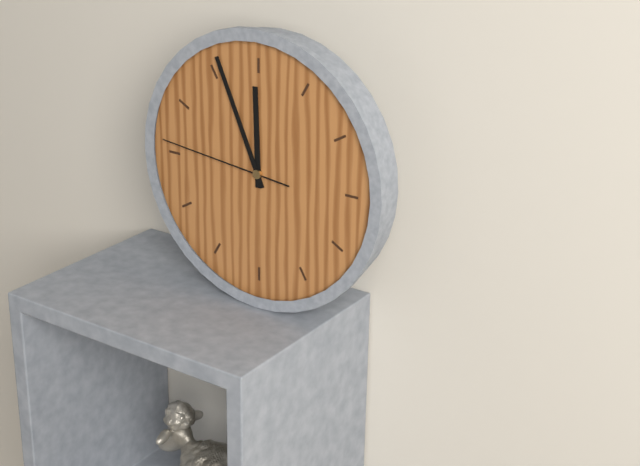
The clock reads 11h56m46s
